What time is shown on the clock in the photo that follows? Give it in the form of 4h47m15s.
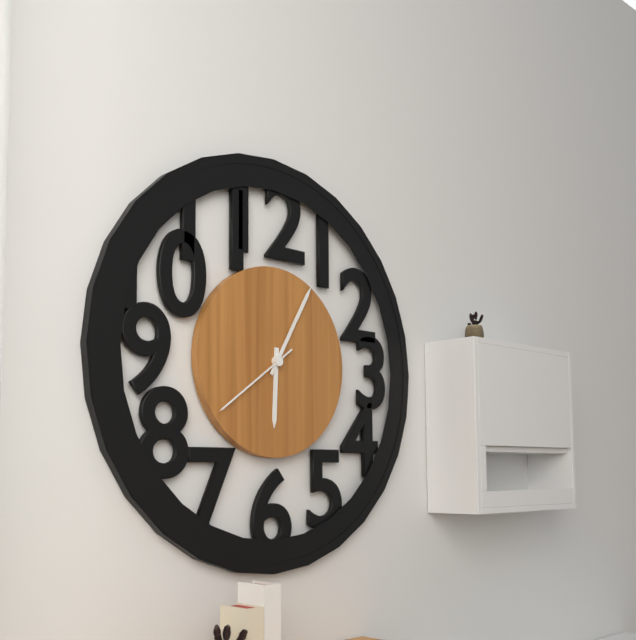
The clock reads 6h05m39s
